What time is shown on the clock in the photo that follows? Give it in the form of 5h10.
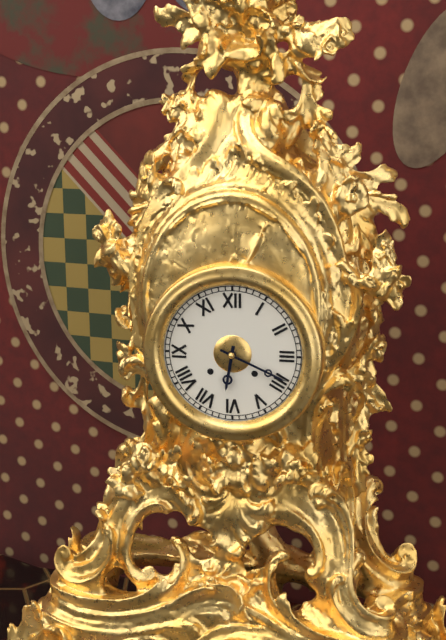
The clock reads 6h19
